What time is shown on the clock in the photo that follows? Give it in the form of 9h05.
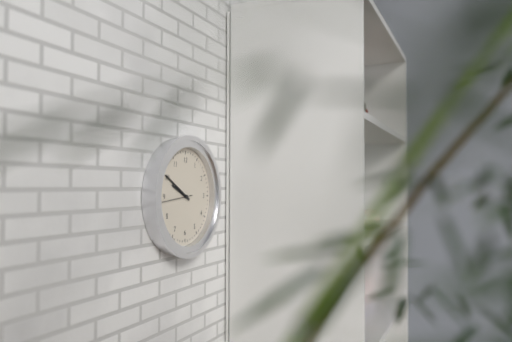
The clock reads 9h50
